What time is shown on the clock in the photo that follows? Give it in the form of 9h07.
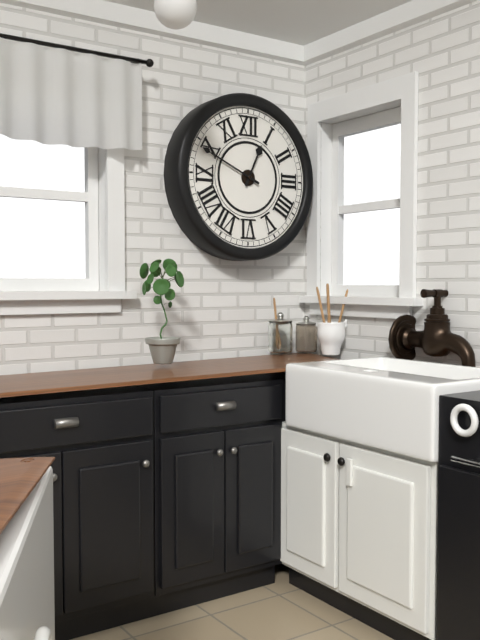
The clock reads 12h49
